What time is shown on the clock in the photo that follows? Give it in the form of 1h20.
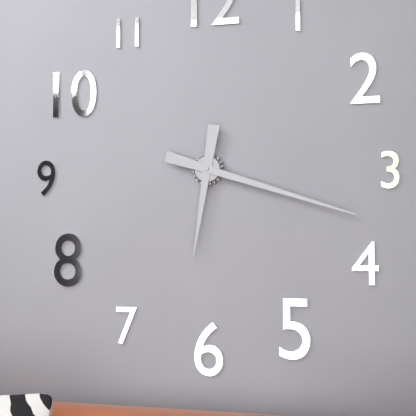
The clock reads 6h18
